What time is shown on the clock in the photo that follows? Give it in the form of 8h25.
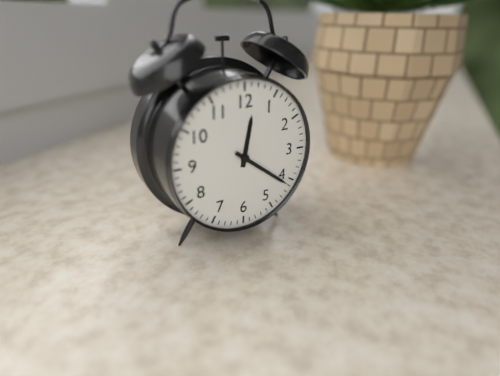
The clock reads 12h21
